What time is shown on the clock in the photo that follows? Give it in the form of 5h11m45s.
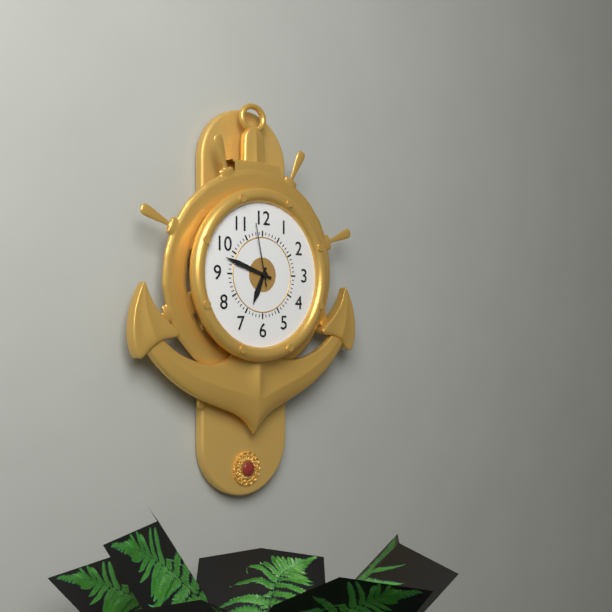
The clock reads 6h48m58s
